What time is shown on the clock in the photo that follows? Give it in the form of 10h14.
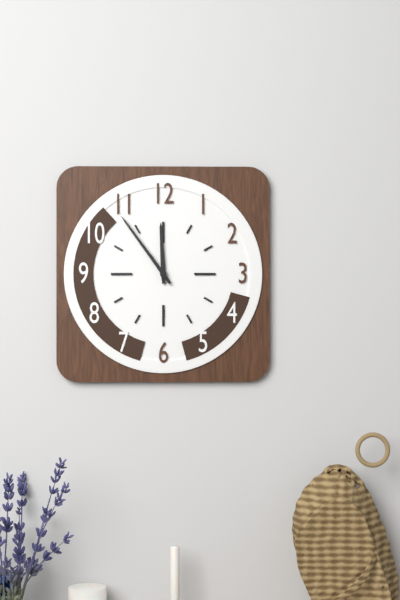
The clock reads 11h54
